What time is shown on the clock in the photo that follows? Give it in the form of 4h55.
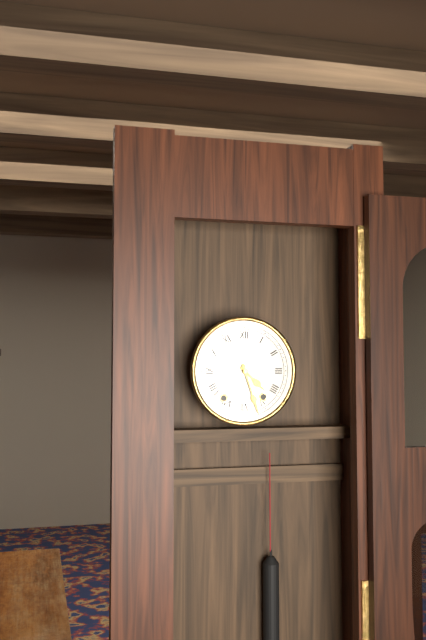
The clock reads 4h27
